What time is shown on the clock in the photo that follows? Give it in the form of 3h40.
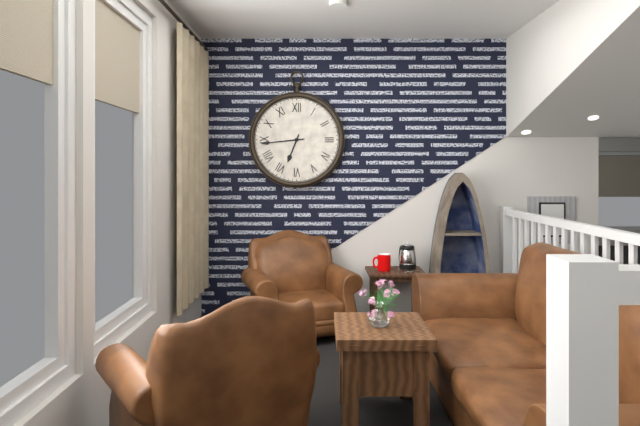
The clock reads 6h44
